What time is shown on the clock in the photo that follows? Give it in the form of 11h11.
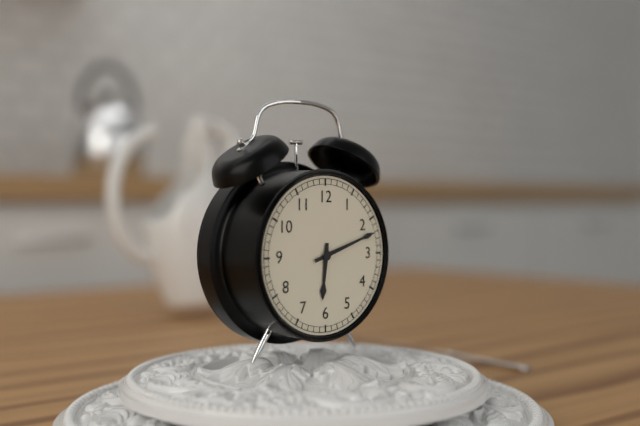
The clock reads 6h12
